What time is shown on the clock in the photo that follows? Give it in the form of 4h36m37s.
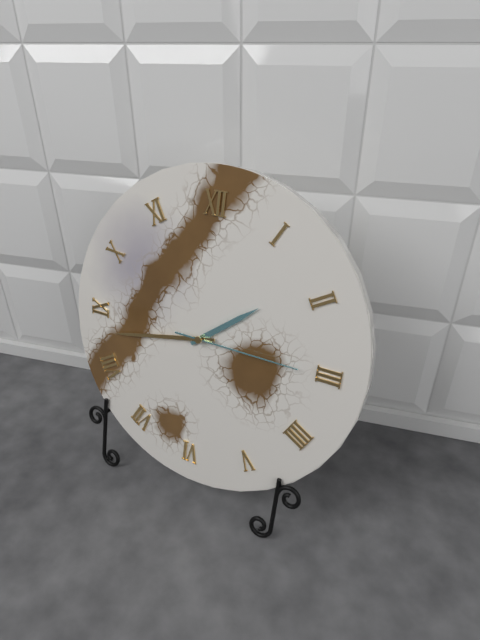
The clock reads 1h43m15s
